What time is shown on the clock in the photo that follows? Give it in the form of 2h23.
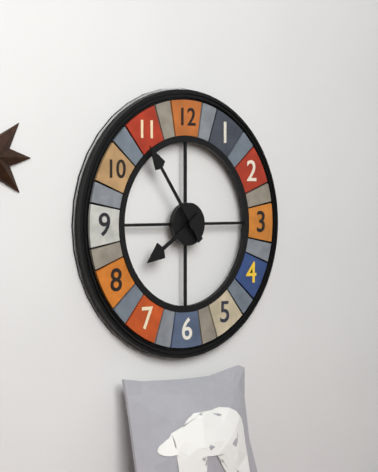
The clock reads 7h54
